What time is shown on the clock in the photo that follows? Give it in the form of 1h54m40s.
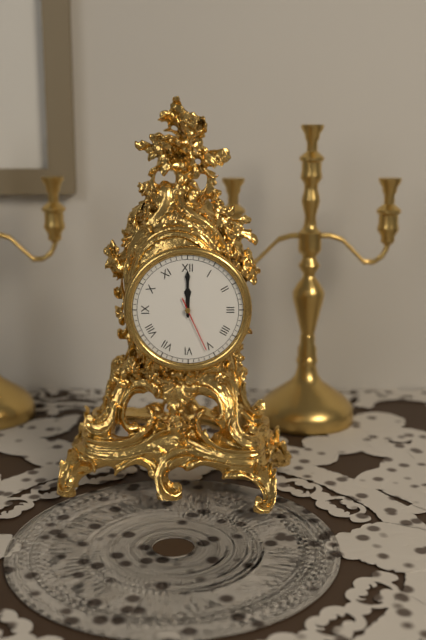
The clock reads 12h00m26s
